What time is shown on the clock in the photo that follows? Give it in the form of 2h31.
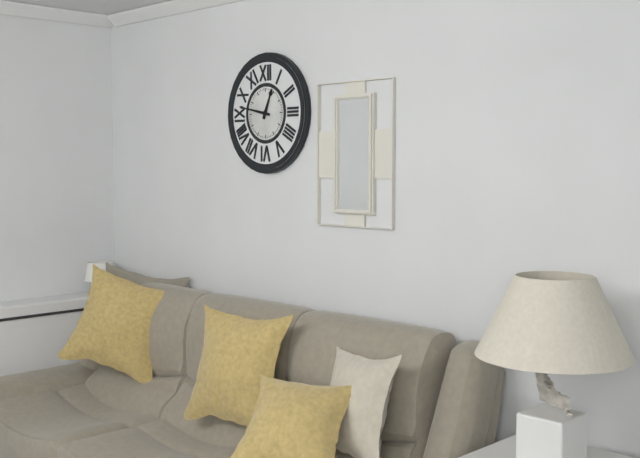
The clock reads 12h47
